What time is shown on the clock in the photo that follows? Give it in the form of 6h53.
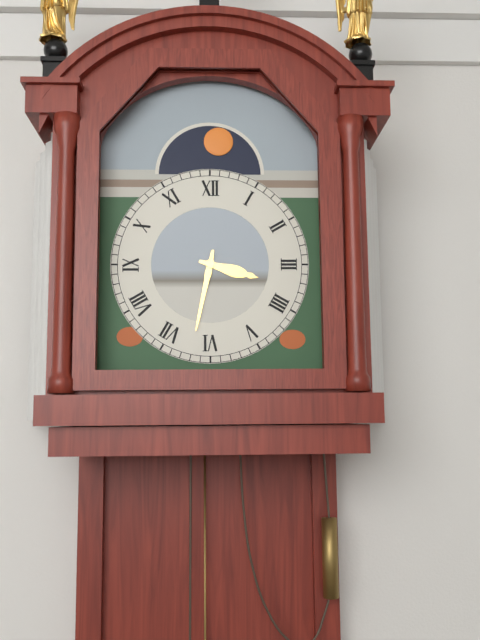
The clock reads 3h32
